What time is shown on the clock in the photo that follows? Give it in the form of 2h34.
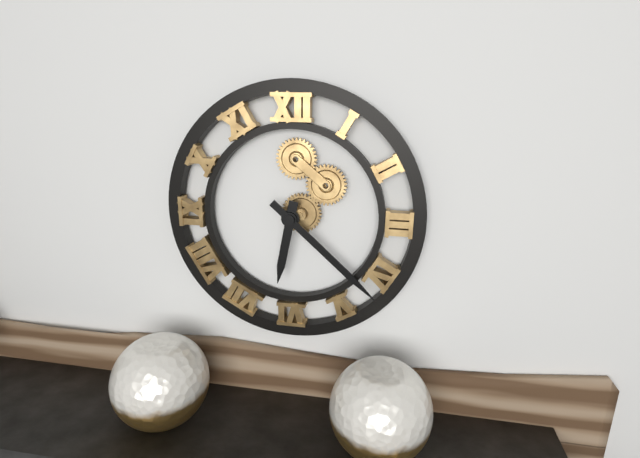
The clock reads 6h22
